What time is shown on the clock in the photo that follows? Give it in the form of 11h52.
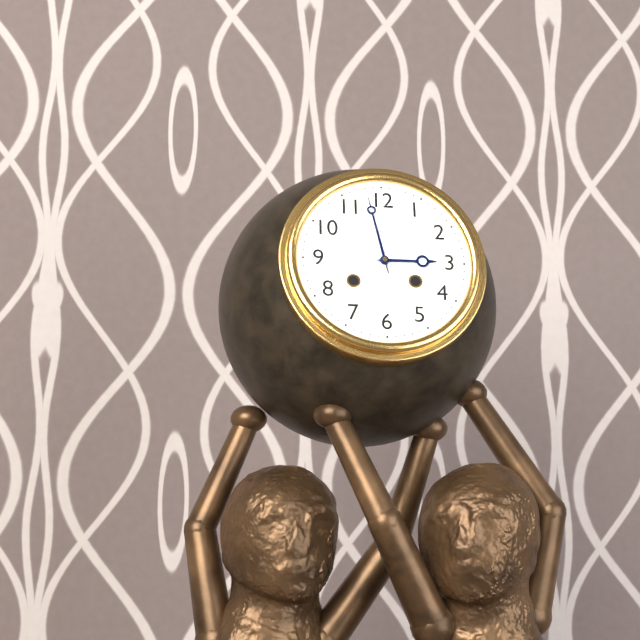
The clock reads 2h58
